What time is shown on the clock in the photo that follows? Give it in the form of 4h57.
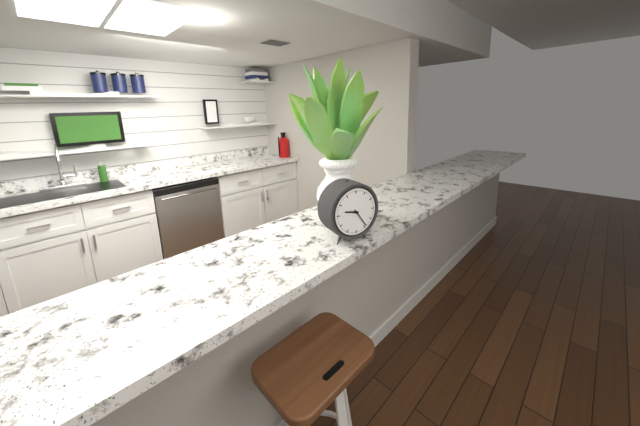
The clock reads 9h24
